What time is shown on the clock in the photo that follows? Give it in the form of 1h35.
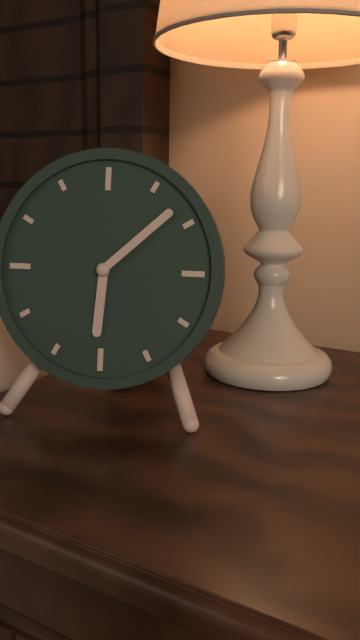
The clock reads 6h08
